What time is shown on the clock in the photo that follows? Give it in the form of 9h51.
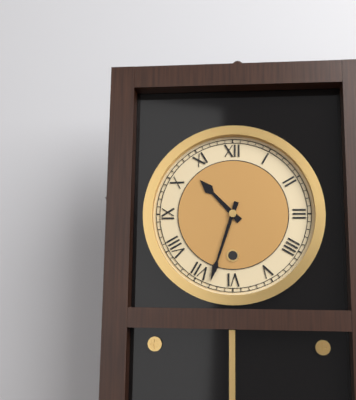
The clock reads 10h33
